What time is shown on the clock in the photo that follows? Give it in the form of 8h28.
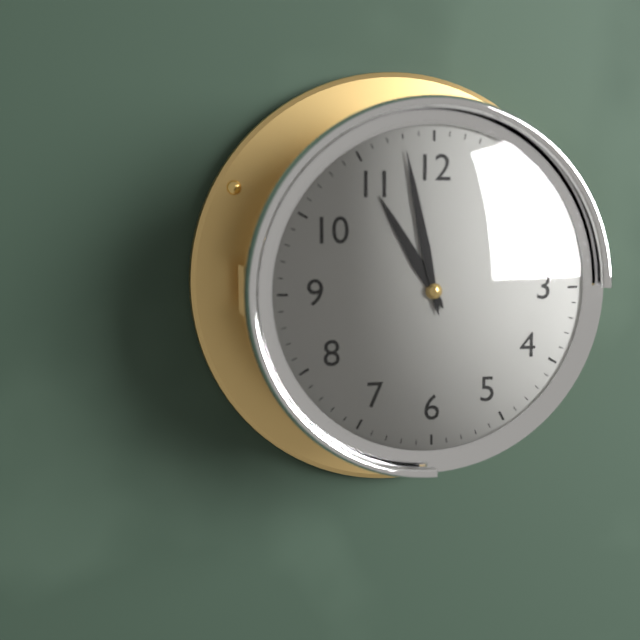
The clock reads 10h58
